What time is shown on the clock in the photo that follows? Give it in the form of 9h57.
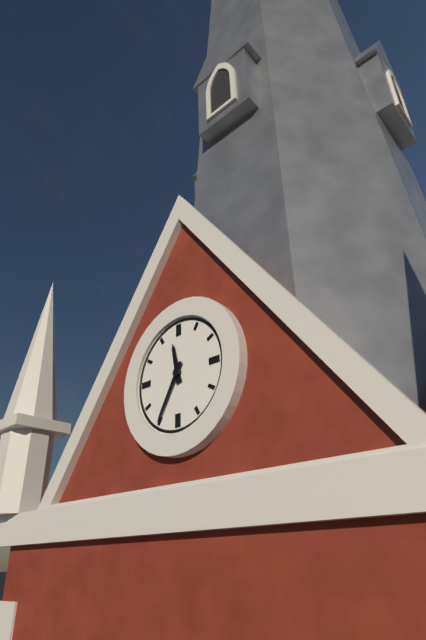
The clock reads 11h35
